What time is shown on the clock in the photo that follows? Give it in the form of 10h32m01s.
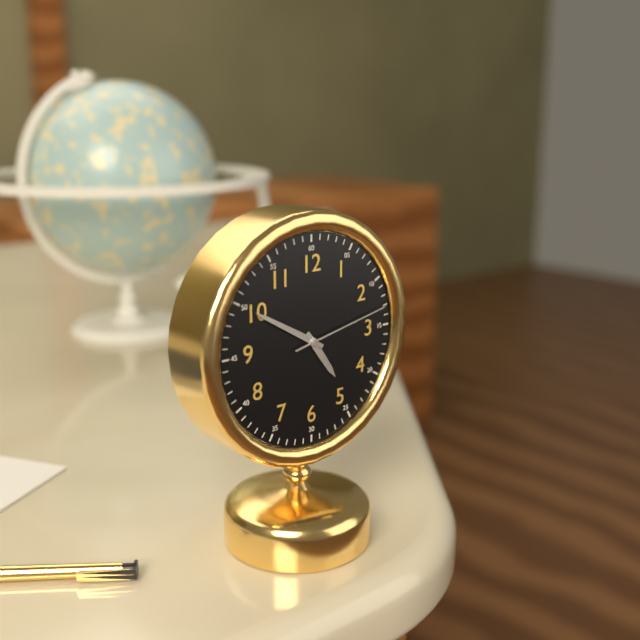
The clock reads 4h50m13s
